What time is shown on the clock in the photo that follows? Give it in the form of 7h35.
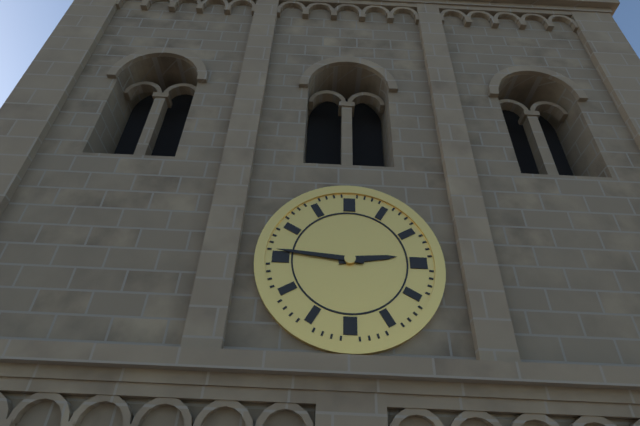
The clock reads 2h46
